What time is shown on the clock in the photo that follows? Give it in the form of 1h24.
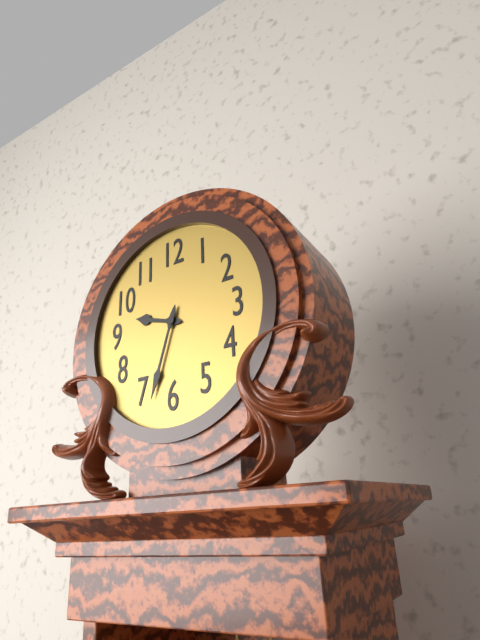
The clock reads 9h33
